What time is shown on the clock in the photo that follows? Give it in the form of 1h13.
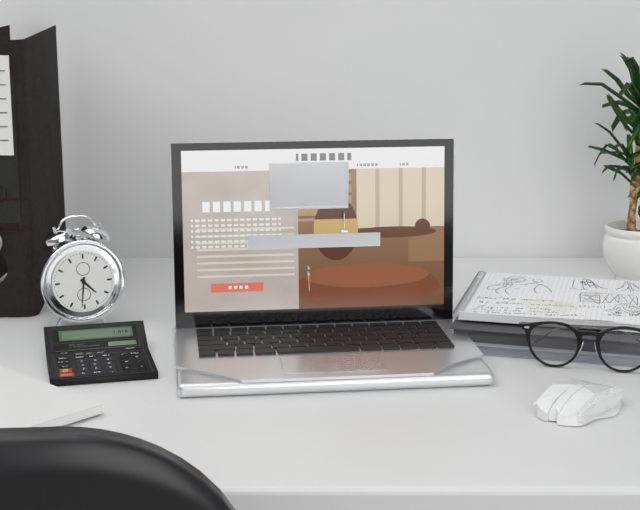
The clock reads 4h31
